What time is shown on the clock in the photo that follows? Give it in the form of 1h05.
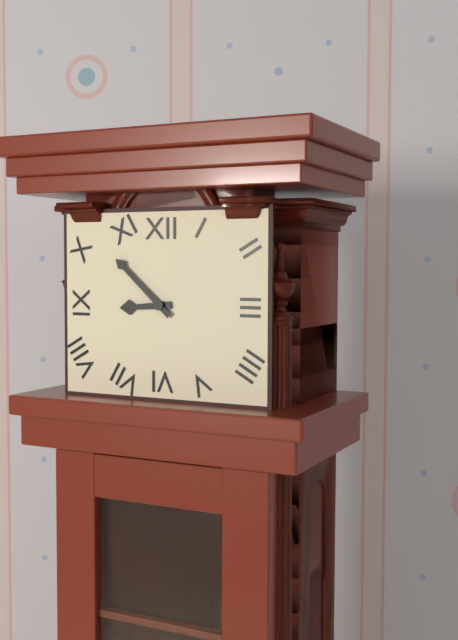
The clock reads 8h52
